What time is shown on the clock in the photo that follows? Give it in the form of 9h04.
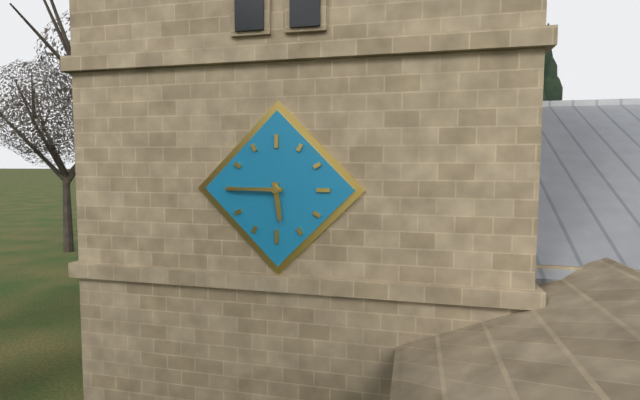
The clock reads 5h45
